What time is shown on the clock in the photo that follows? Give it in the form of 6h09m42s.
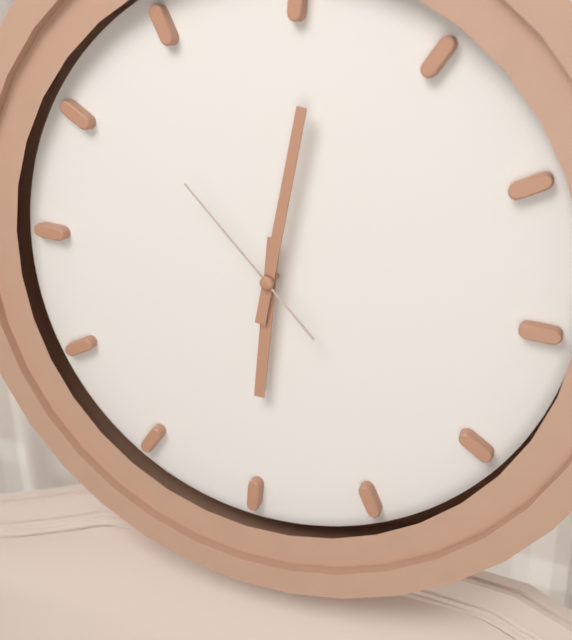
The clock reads 6h01m52s
